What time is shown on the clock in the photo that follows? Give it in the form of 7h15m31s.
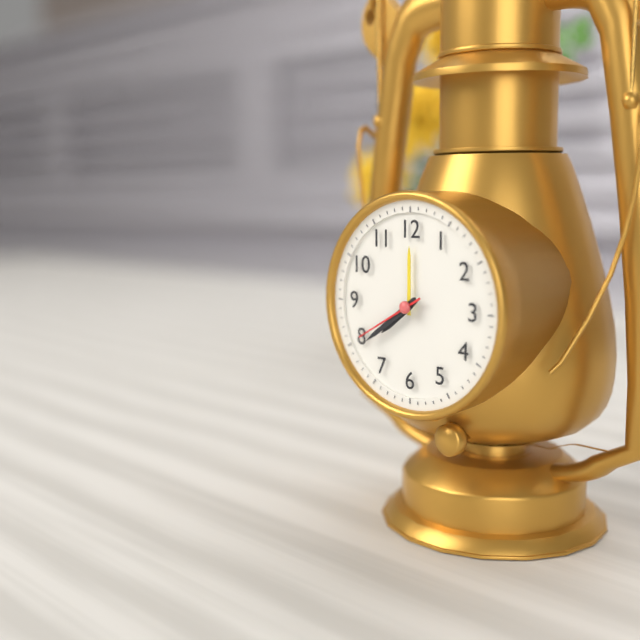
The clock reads 7h39m40s
